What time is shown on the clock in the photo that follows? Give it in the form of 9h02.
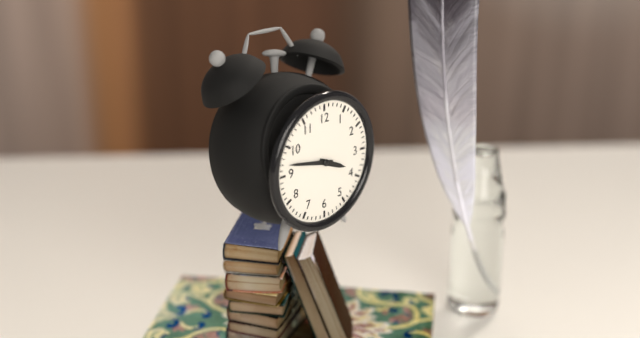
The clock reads 3h47
